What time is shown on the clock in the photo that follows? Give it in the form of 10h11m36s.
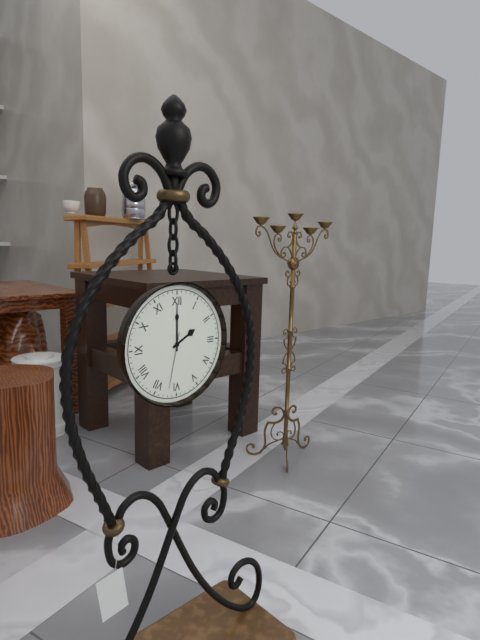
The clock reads 2h00m32s
